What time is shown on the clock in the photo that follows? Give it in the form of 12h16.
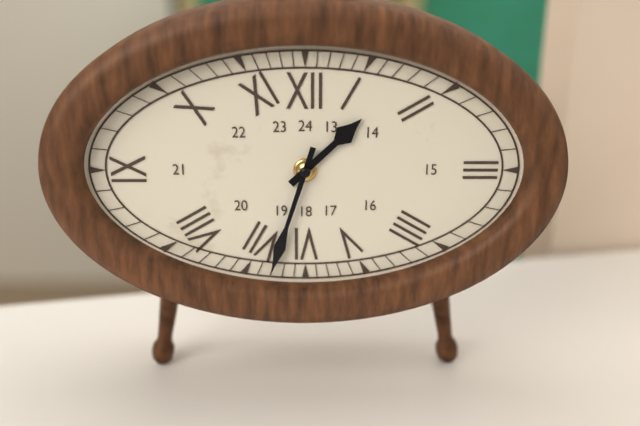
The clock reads 1h33
